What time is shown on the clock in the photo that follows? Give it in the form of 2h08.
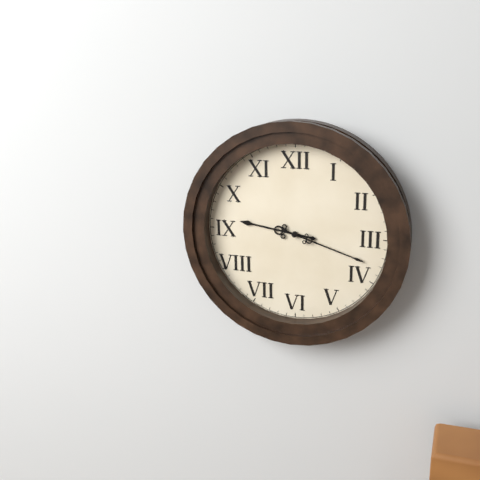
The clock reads 9h18
